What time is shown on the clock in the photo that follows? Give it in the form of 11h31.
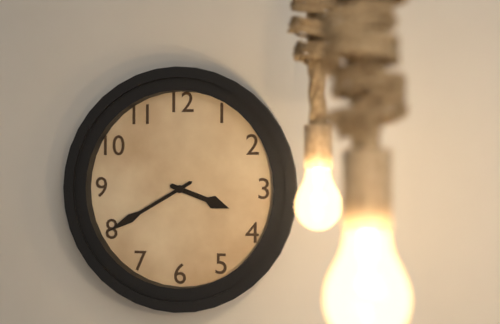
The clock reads 3h40
